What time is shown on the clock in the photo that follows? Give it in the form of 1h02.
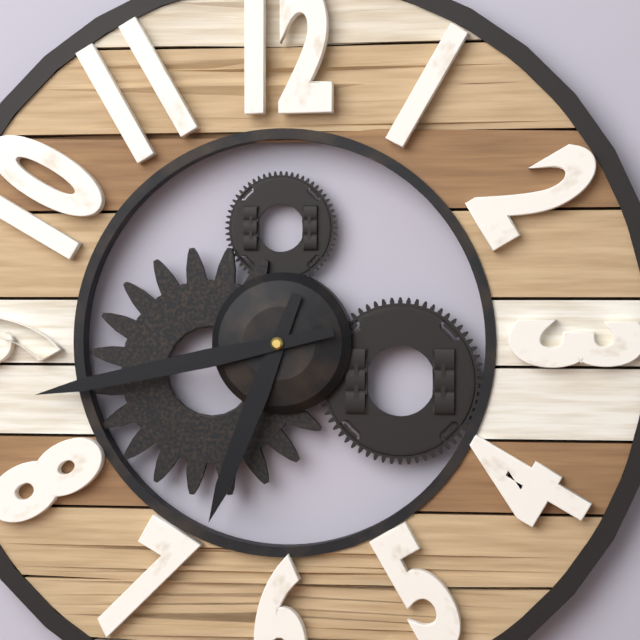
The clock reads 6h43
